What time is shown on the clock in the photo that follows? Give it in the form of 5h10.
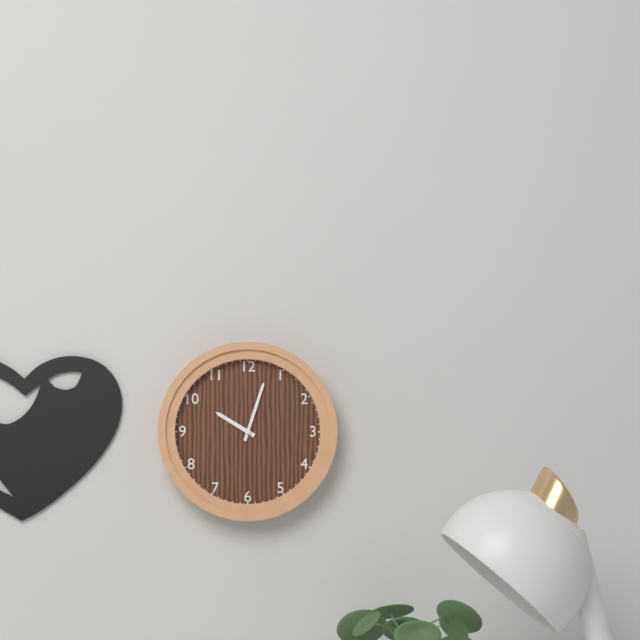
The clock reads 10h03
